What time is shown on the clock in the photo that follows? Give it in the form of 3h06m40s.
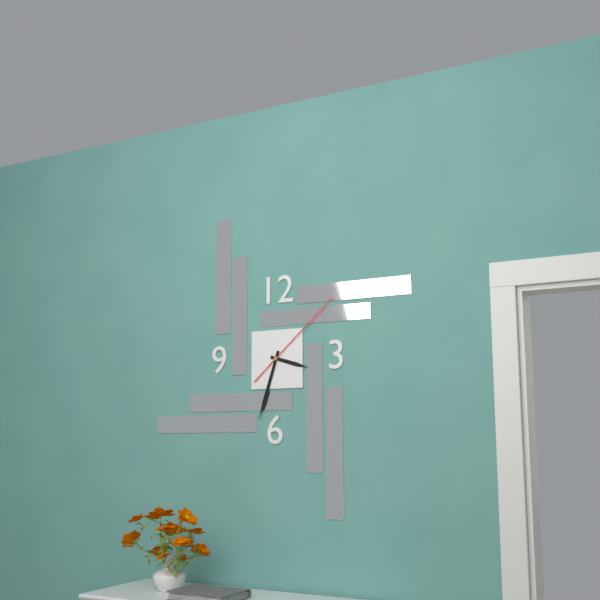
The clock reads 3h33m08s
